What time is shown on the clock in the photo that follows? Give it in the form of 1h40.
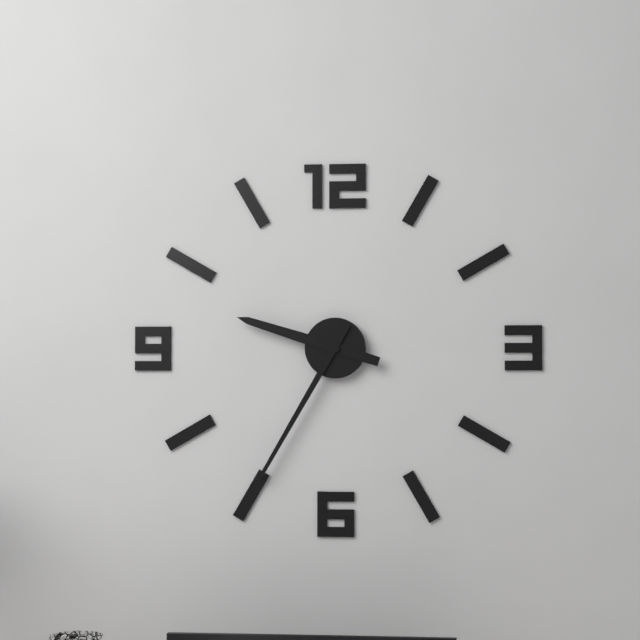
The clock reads 9h35
